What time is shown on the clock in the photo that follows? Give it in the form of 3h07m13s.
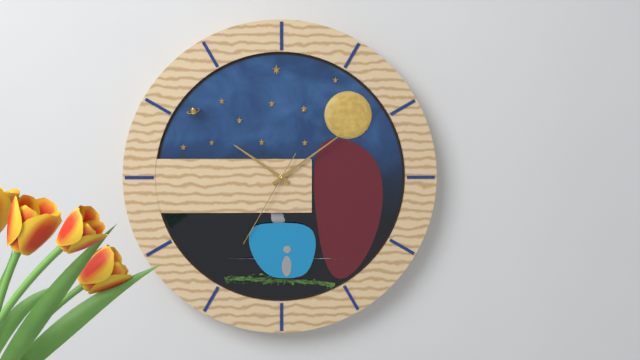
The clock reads 10h09m35s
